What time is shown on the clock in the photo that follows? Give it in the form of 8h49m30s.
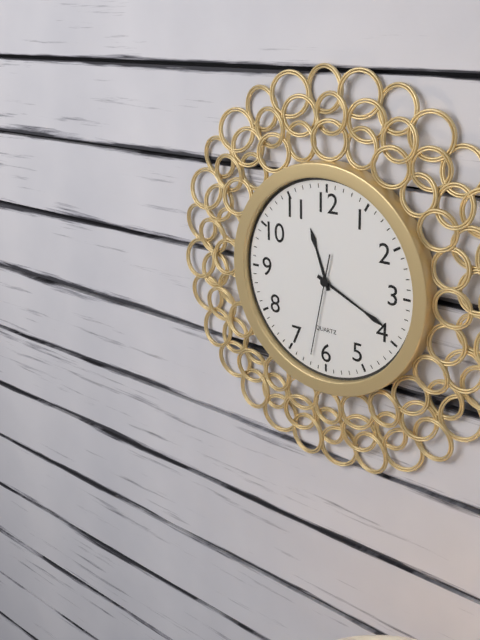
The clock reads 11h19m32s
